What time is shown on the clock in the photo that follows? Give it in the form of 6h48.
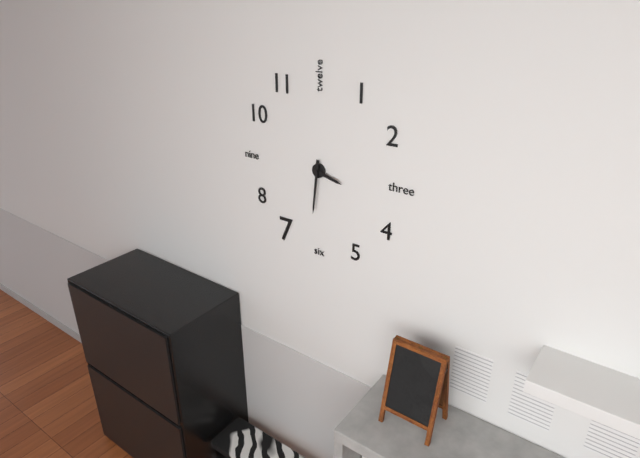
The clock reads 3h31
